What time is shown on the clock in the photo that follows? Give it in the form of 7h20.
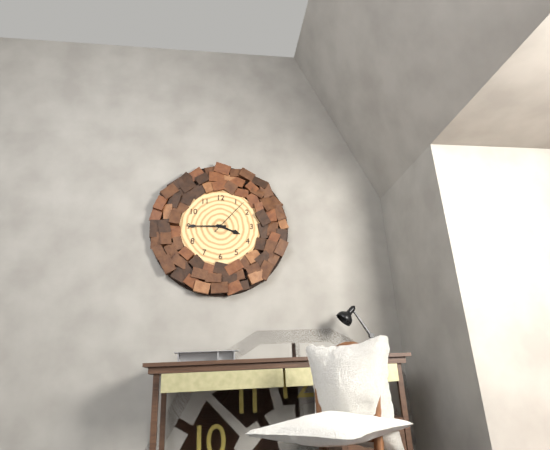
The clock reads 3h45
